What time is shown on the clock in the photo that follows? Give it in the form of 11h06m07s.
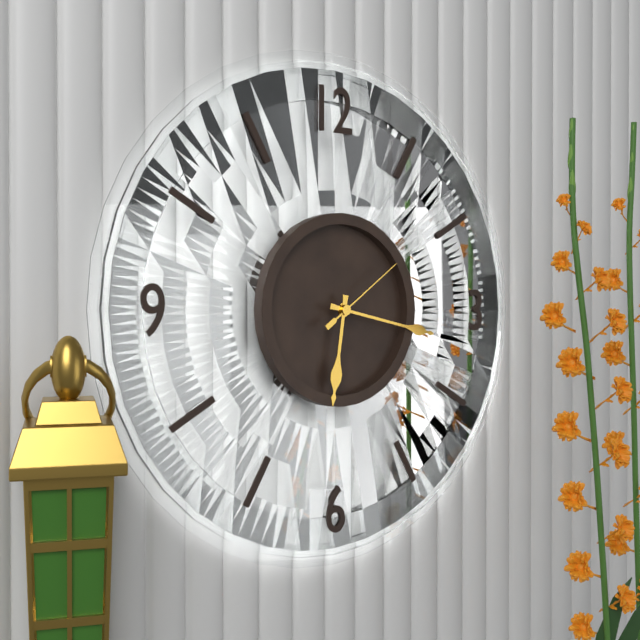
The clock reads 6h17m09s
